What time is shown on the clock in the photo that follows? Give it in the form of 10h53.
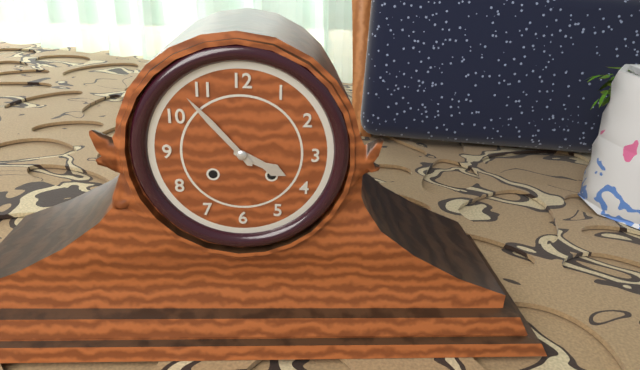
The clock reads 3h53
